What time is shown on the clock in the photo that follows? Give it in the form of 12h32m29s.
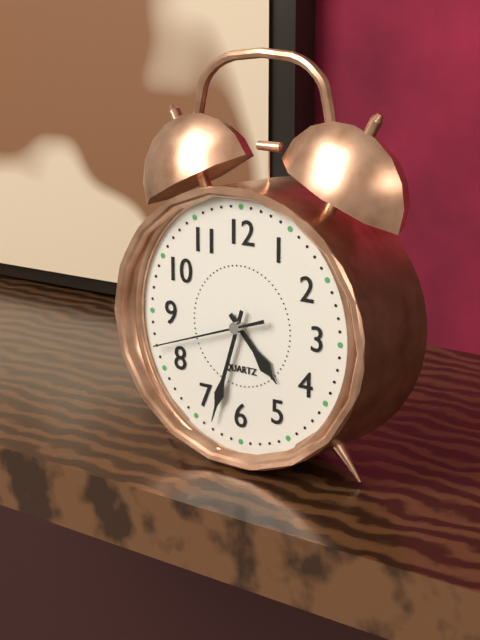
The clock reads 4h33m42s
